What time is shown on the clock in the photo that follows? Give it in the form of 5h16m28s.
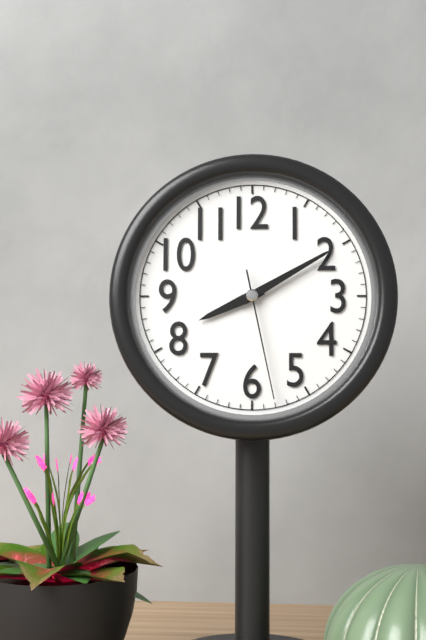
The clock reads 8h10m28s
